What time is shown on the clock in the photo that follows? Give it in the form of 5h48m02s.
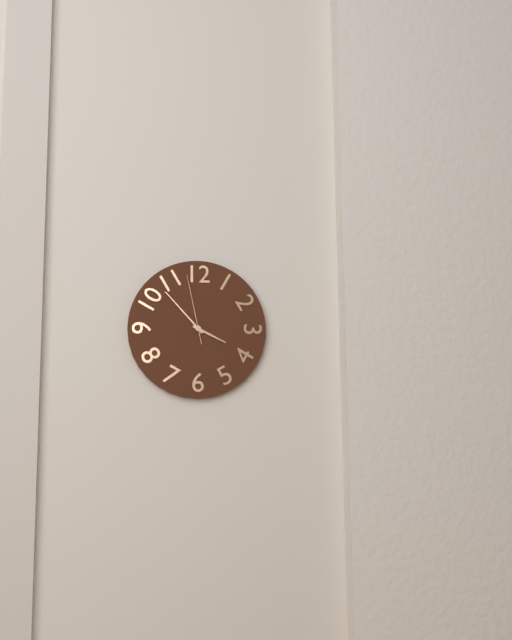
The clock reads 3h53m58s
